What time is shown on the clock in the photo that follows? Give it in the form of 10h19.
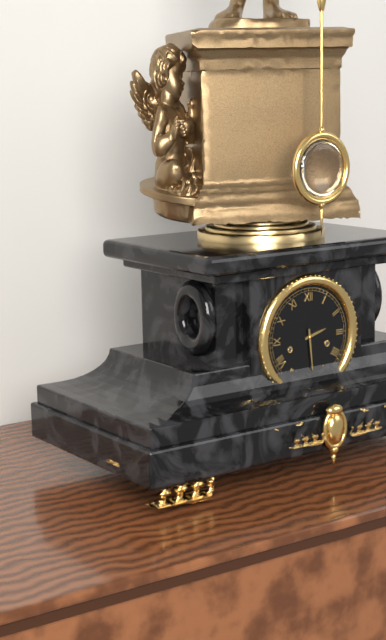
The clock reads 2h29
